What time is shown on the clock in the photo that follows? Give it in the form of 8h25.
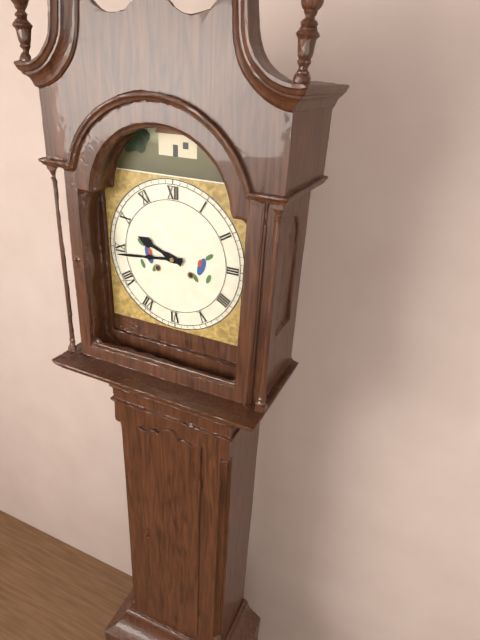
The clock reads 9h44
